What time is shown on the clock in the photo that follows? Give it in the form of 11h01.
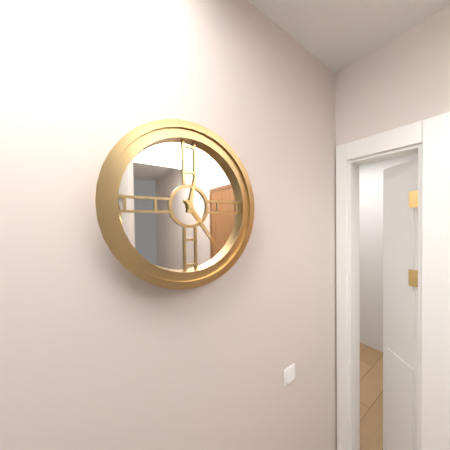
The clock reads 12h24
